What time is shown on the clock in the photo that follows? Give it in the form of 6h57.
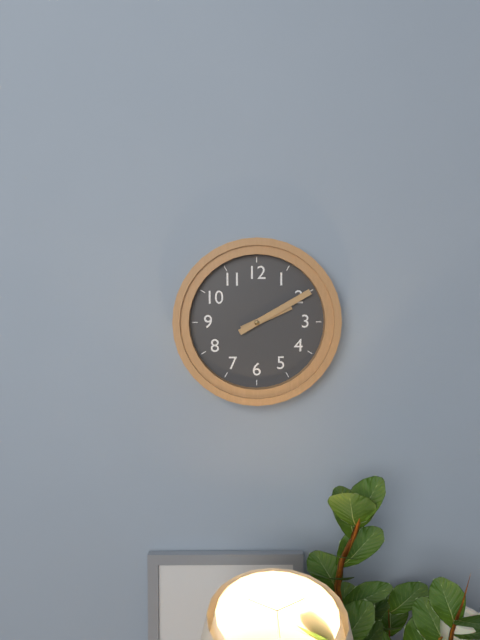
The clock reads 2h10
